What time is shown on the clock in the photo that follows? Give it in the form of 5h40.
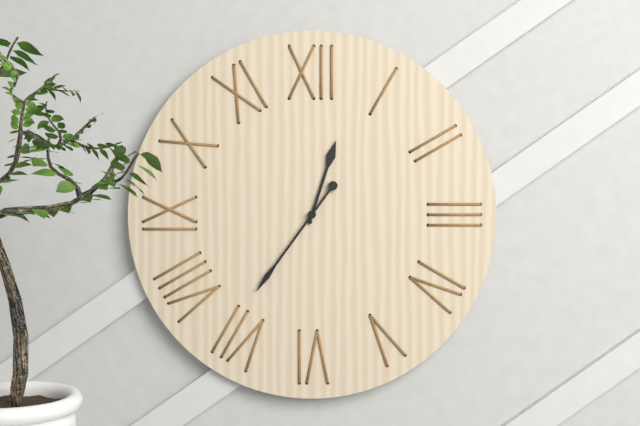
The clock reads 12h36
